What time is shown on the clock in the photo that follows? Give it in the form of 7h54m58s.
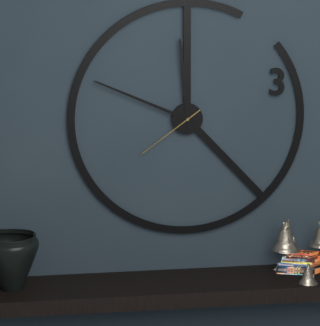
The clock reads 11h49m39s
